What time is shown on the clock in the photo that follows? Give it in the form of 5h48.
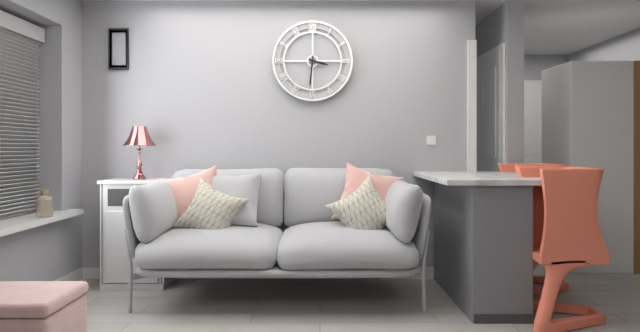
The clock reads 3h31
